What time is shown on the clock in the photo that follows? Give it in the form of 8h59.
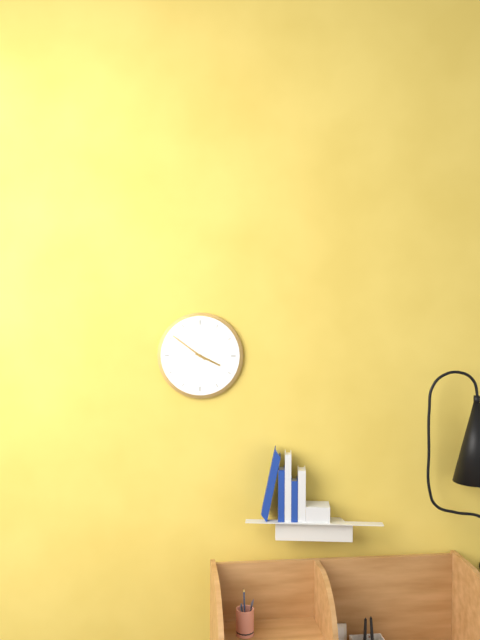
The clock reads 3h51
